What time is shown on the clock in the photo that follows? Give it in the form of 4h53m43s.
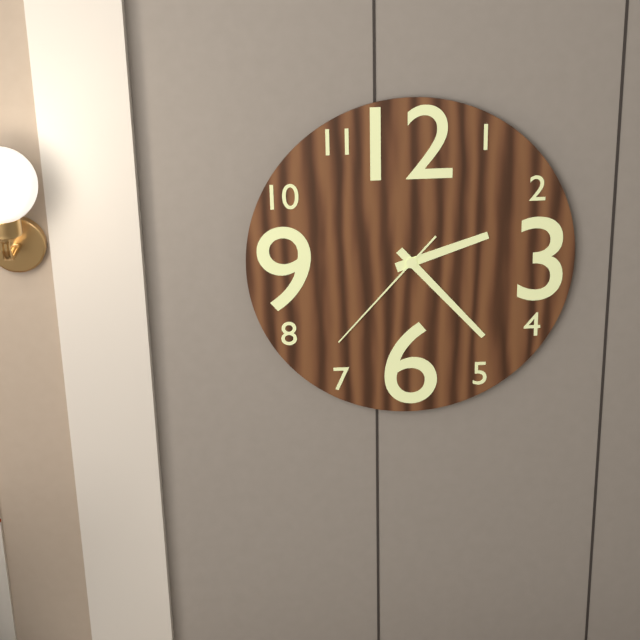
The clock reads 2h23m37s
